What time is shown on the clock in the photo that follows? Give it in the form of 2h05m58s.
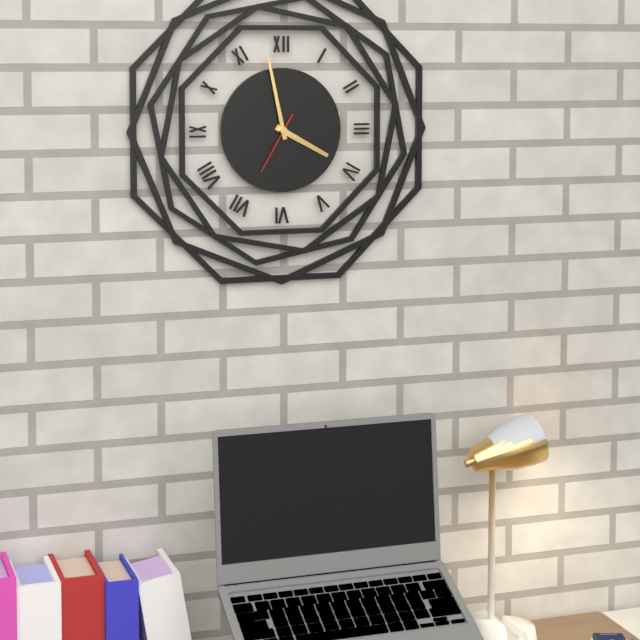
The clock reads 3h58m35s
